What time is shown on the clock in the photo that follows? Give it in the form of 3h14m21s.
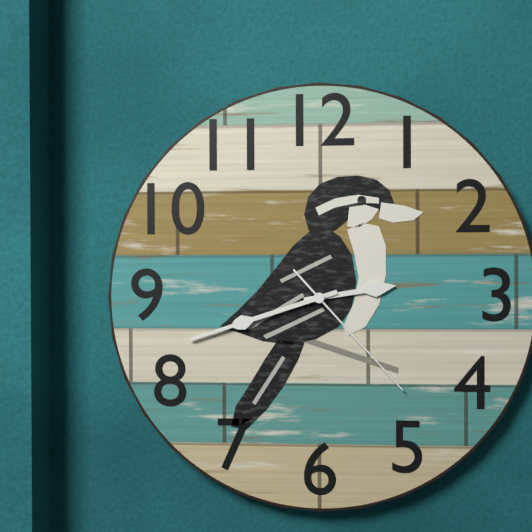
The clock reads 2h42m23s
